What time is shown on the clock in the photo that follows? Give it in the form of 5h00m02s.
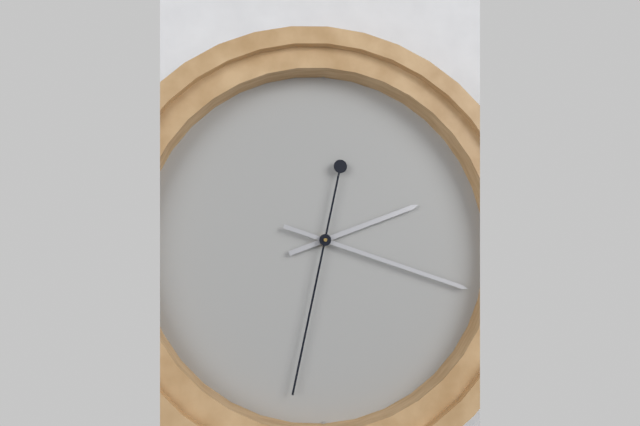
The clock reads 2h18m32s
